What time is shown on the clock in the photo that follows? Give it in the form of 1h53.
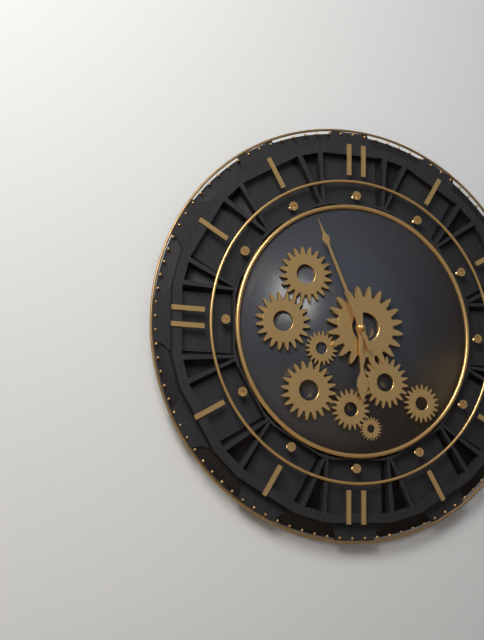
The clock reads 5h56
